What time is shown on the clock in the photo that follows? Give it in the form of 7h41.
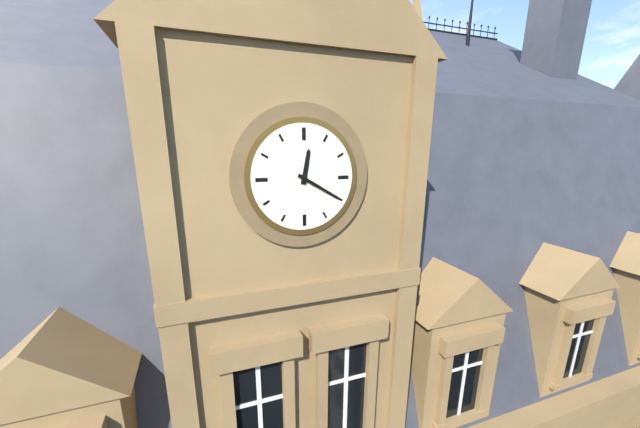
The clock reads 12h20
